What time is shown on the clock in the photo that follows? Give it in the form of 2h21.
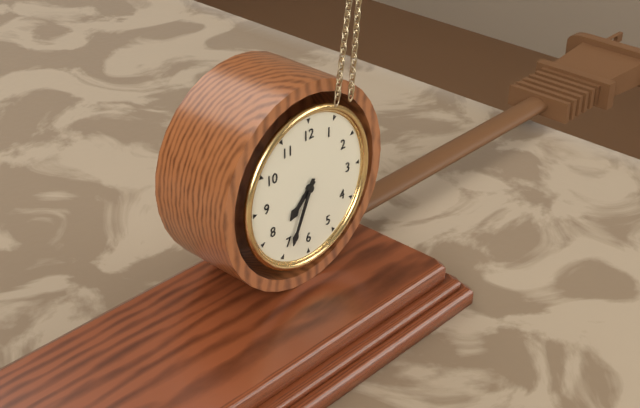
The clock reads 7h34
